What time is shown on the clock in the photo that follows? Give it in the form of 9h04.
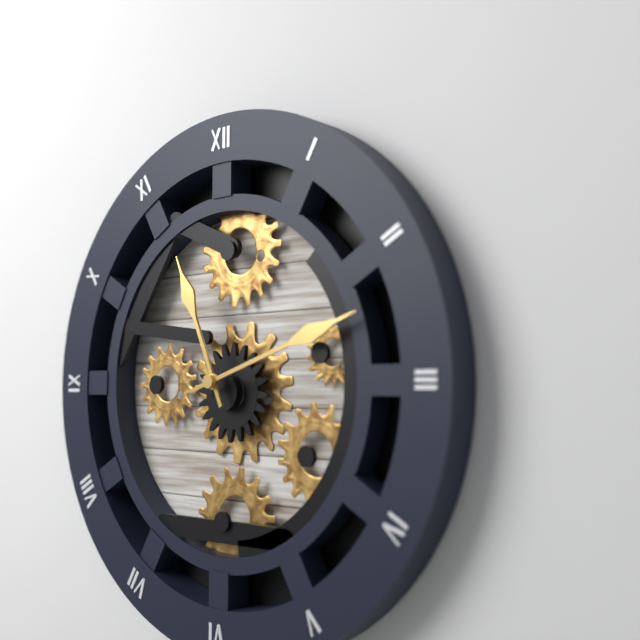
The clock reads 11h12
